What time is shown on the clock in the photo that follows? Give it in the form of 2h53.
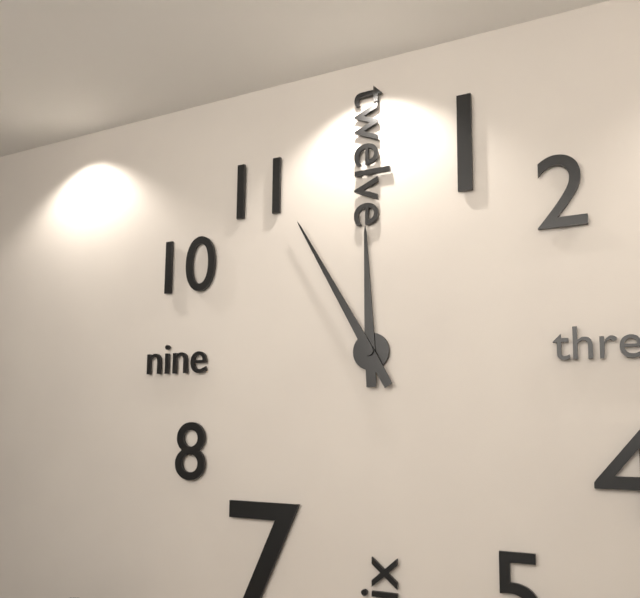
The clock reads 11h55
